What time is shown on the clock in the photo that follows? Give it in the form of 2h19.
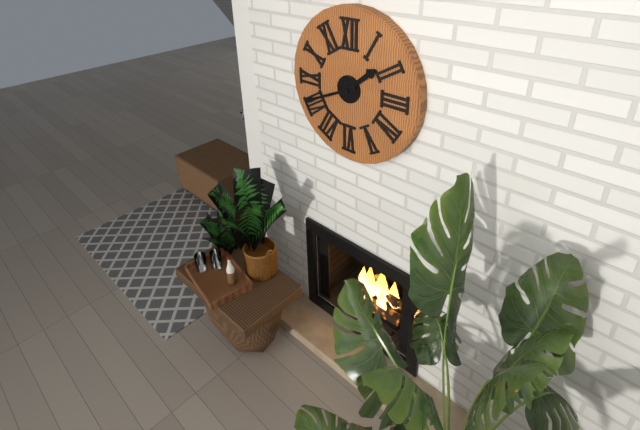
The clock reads 1h41
